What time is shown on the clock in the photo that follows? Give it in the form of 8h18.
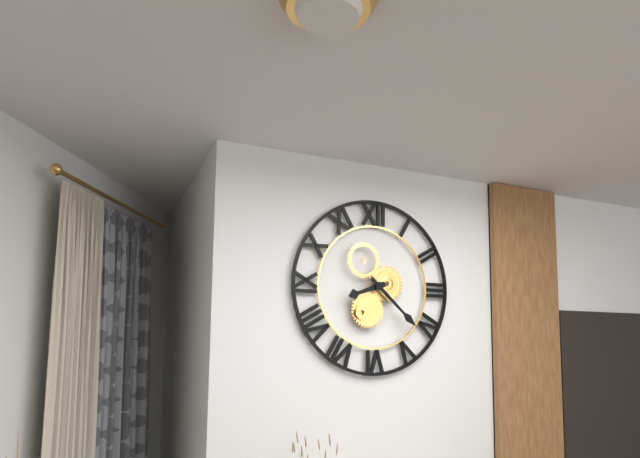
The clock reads 8h22
